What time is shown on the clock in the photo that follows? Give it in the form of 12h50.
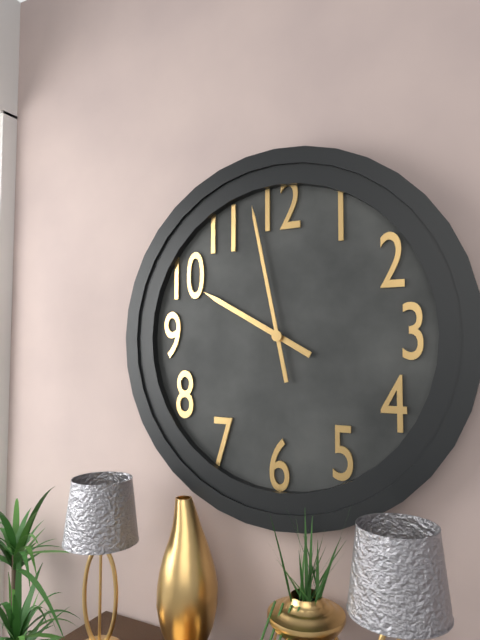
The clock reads 9h58
